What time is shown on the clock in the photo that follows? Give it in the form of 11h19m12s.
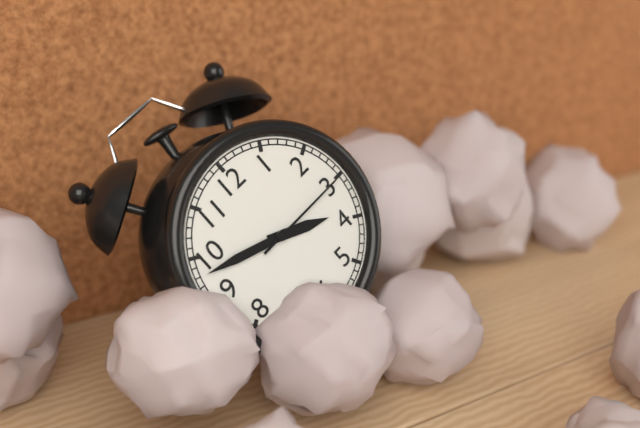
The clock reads 3h48m15s
